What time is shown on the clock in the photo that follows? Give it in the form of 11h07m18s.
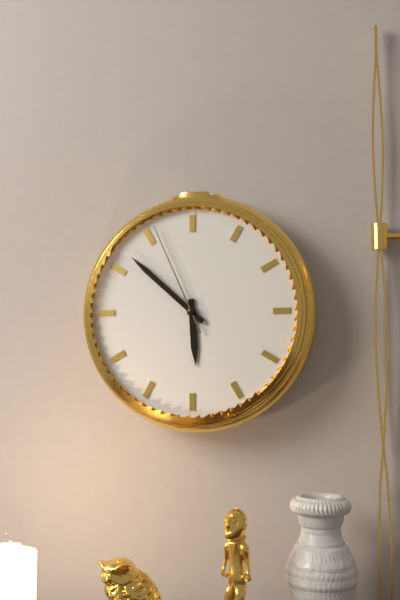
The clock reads 5h52m56s
